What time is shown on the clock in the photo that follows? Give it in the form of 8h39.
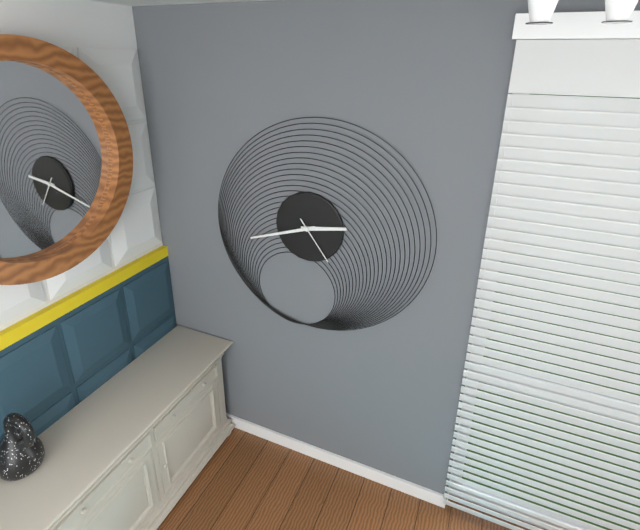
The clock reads 2h42
